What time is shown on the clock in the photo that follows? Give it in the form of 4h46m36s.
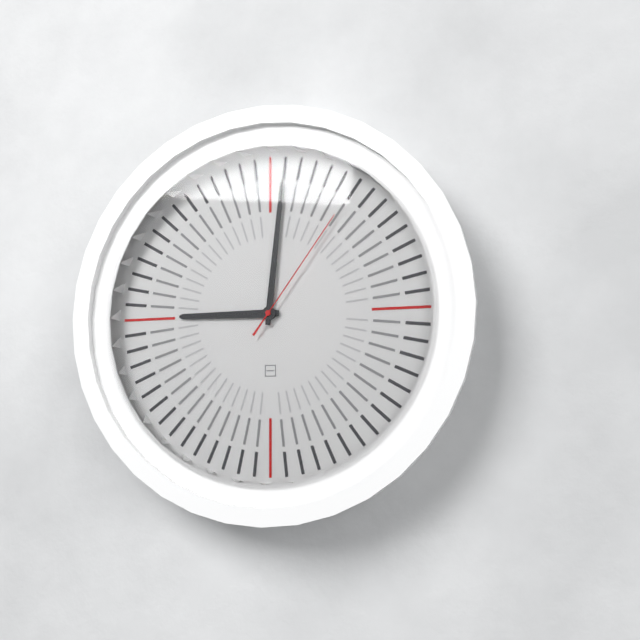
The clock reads 9h01m06s
